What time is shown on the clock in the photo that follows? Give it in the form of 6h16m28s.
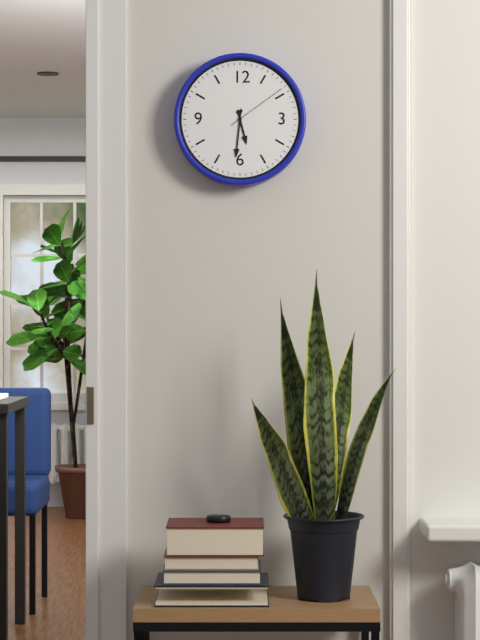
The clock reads 5h31m09s
